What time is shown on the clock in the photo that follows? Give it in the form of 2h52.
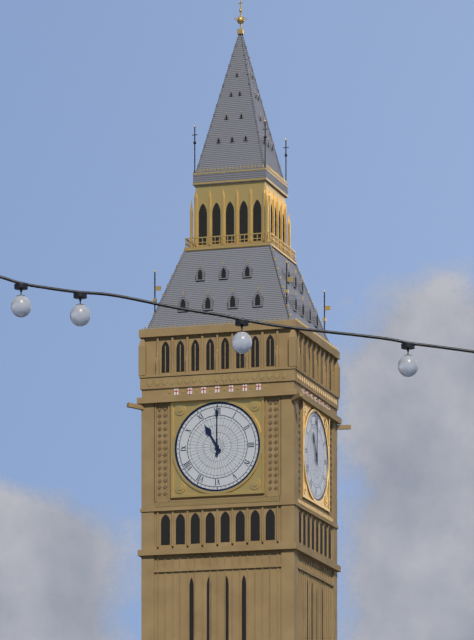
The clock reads 11h00
